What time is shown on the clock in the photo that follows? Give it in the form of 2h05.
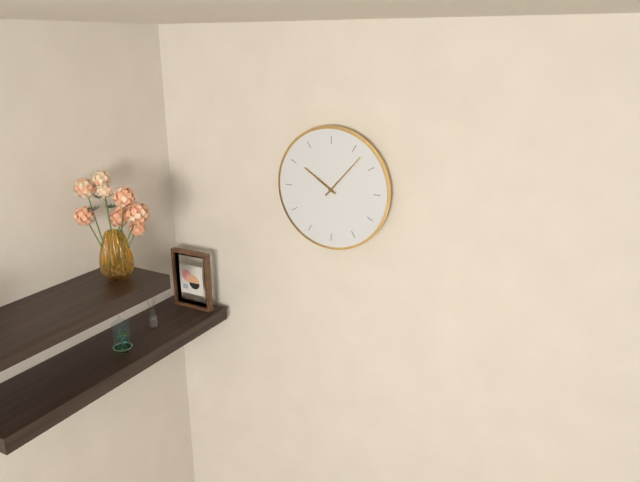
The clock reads 10h07
